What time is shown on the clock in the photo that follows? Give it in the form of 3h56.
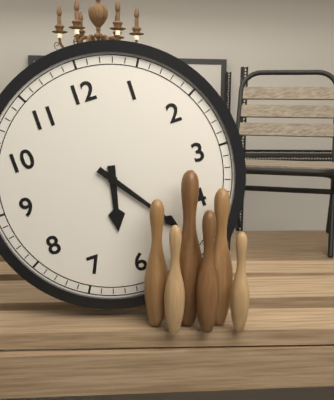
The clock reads 6h24
